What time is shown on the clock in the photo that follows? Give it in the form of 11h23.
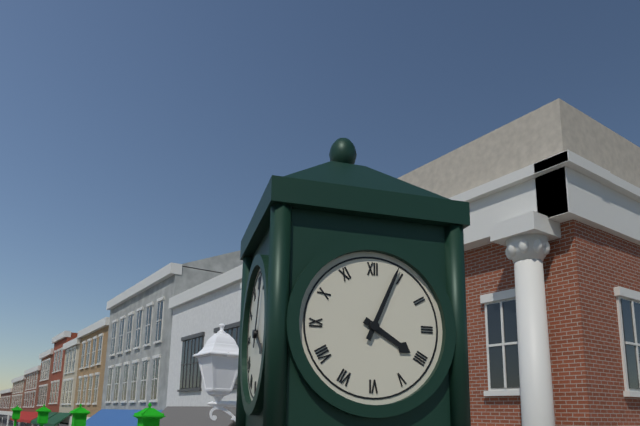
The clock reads 4h04
